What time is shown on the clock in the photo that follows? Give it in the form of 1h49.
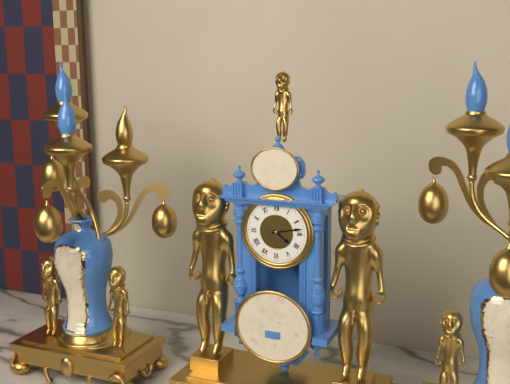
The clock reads 4h13
